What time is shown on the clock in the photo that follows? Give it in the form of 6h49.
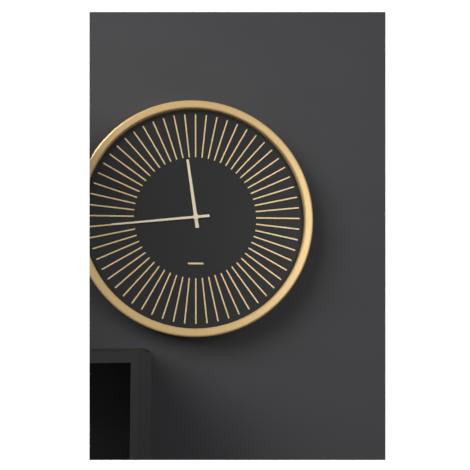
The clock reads 11h44
